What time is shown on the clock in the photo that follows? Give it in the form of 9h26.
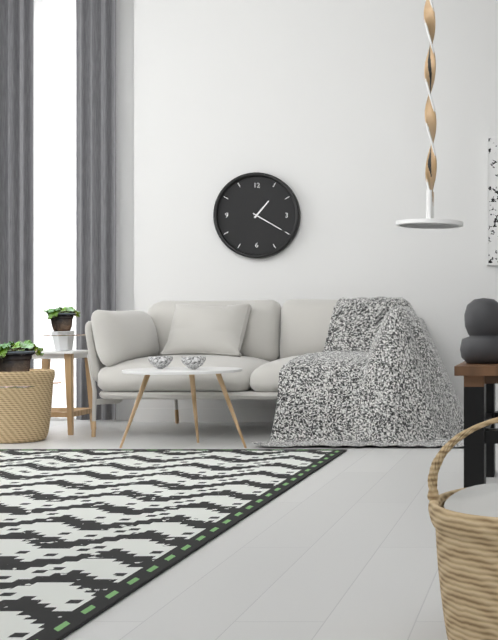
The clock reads 1h20
